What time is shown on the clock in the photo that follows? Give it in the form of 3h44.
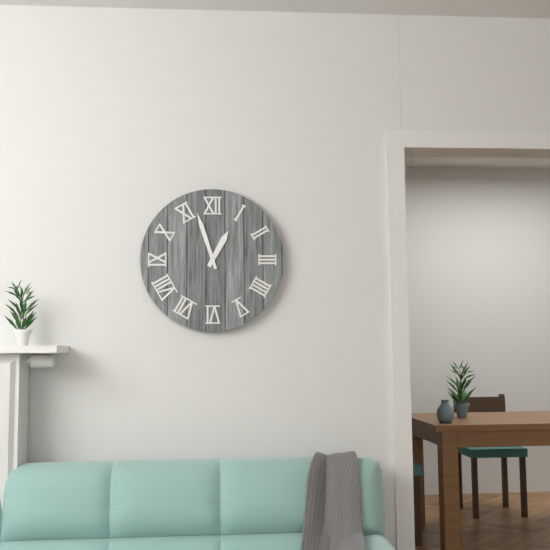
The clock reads 12h57
